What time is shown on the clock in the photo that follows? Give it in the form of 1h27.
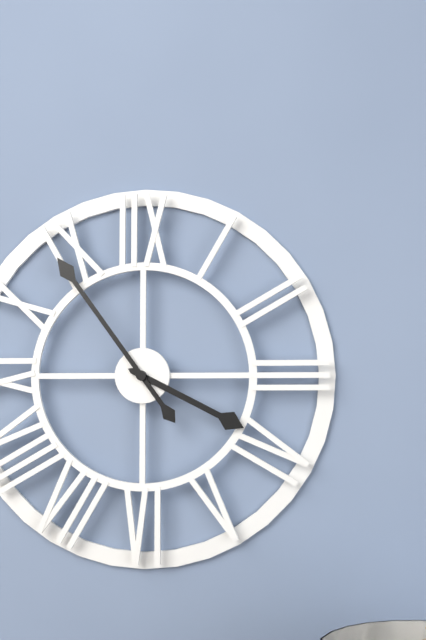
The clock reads 3h54
